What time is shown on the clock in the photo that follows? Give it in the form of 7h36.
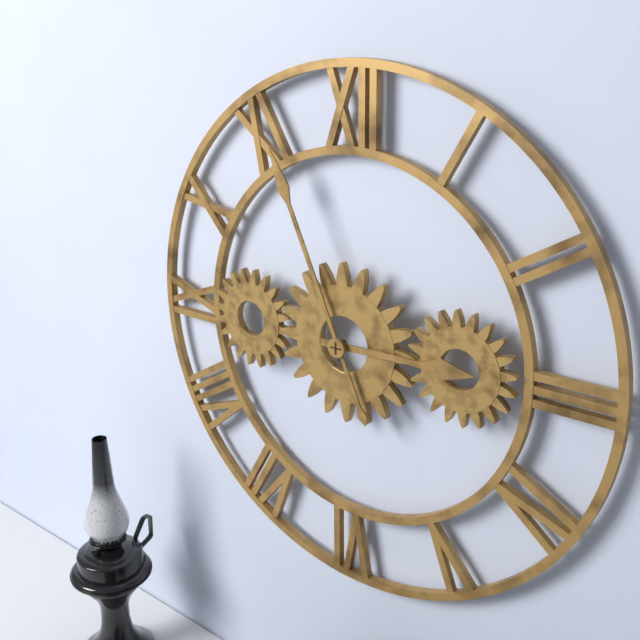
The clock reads 2h56
